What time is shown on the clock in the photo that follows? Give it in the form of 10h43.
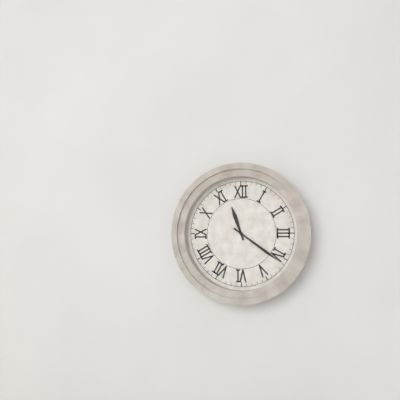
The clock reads 11h21
